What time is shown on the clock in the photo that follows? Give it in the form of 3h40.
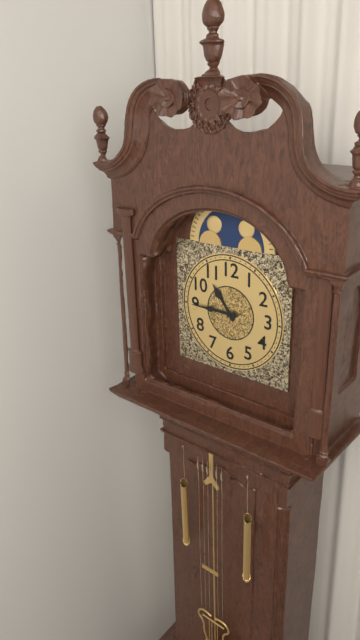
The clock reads 10h45
